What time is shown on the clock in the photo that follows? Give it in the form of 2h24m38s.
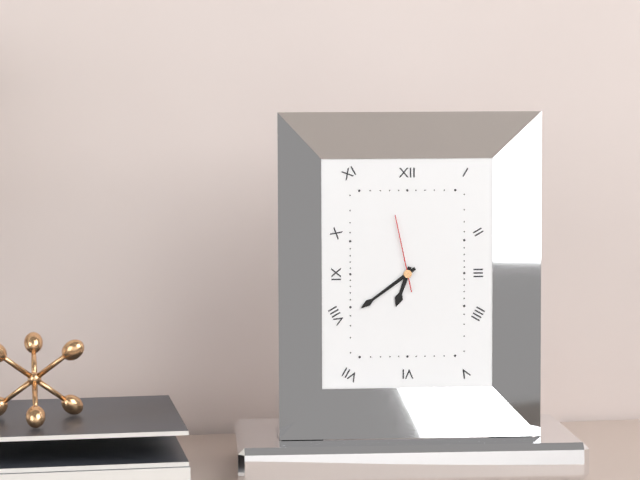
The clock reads 6h39m58s
